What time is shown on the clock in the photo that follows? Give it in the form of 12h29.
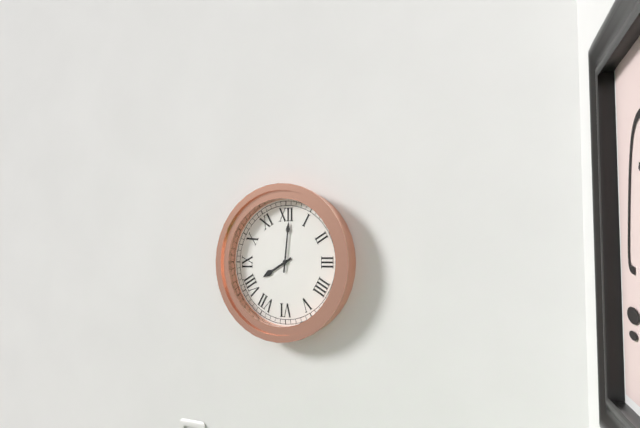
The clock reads 8h01
